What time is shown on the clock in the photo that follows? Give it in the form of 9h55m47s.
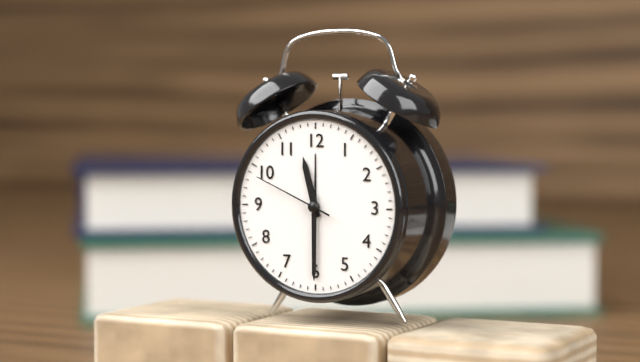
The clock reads 11h30m49s
